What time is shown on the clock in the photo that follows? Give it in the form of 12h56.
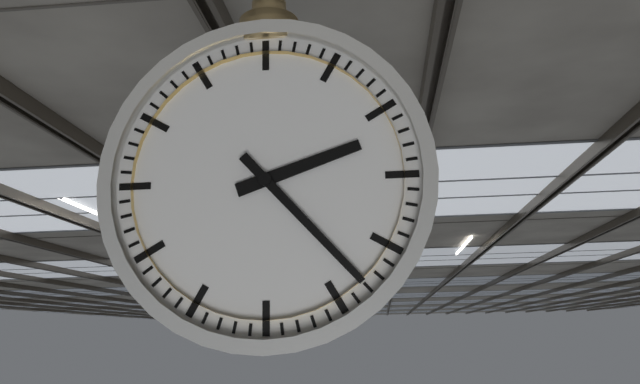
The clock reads 2h23
